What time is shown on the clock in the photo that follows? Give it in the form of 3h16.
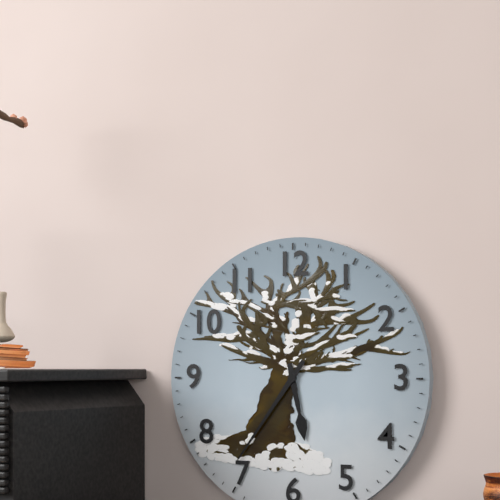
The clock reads 5h36
